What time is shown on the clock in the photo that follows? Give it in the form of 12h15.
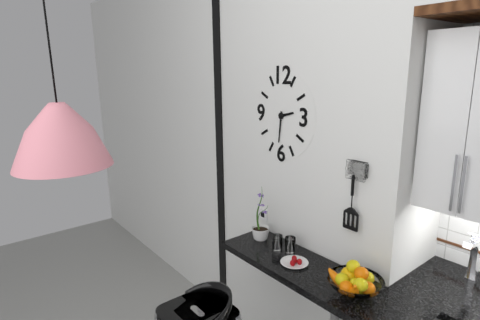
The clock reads 2h31
